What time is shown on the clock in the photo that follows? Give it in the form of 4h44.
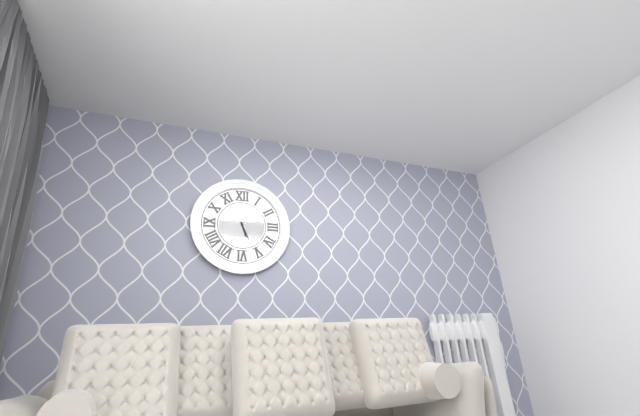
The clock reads 5h26
